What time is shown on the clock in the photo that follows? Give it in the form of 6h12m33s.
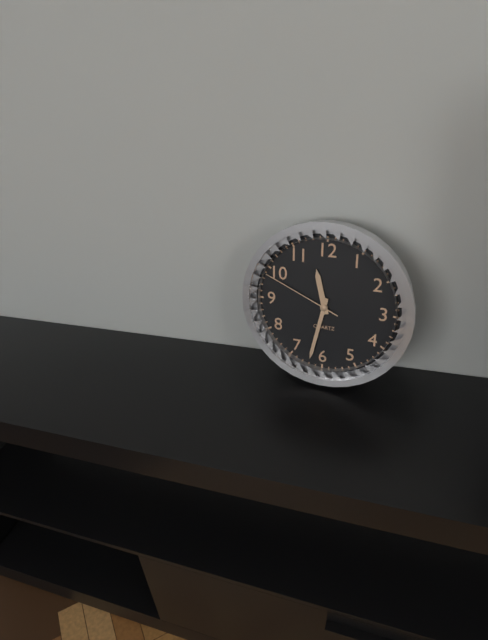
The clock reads 11h32m49s
